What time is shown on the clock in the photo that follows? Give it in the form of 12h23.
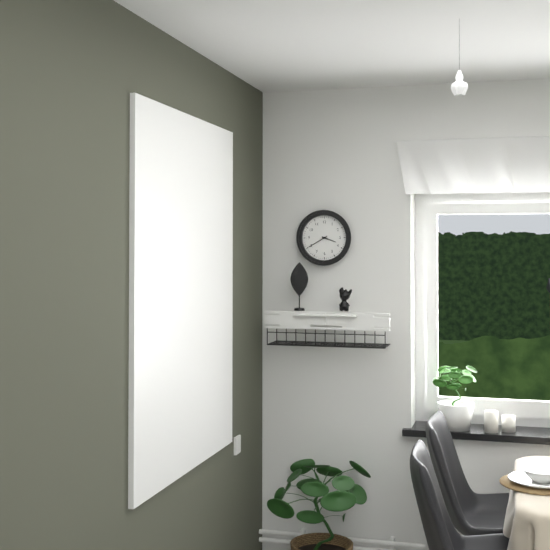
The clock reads 3h40
